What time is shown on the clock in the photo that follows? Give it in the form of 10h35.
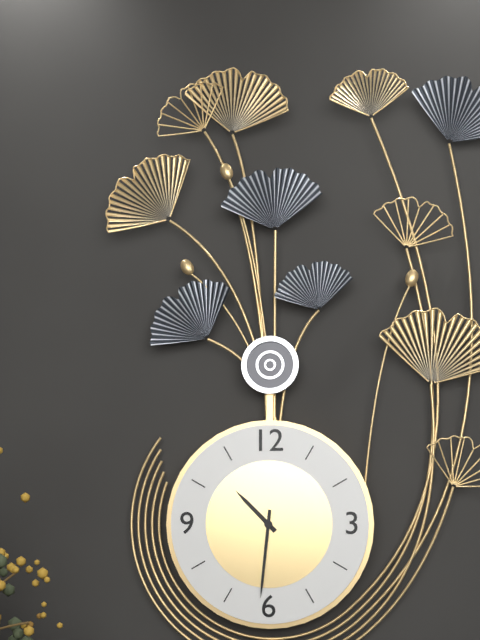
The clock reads 10h31
